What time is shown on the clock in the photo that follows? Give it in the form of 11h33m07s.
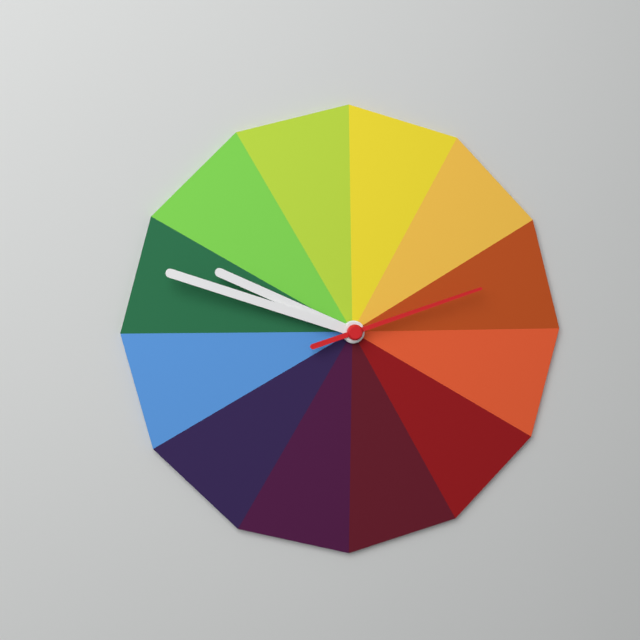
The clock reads 9h48m12s
